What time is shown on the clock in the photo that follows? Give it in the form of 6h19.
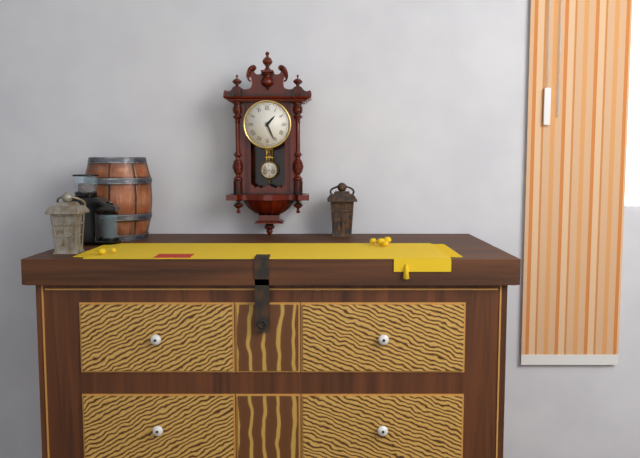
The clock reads 1h26
